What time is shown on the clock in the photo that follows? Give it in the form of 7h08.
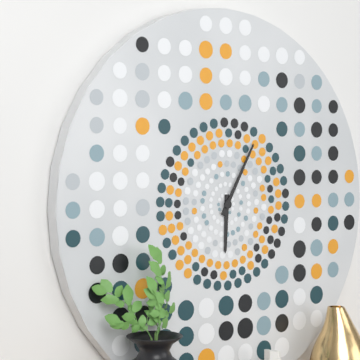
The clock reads 6h05
